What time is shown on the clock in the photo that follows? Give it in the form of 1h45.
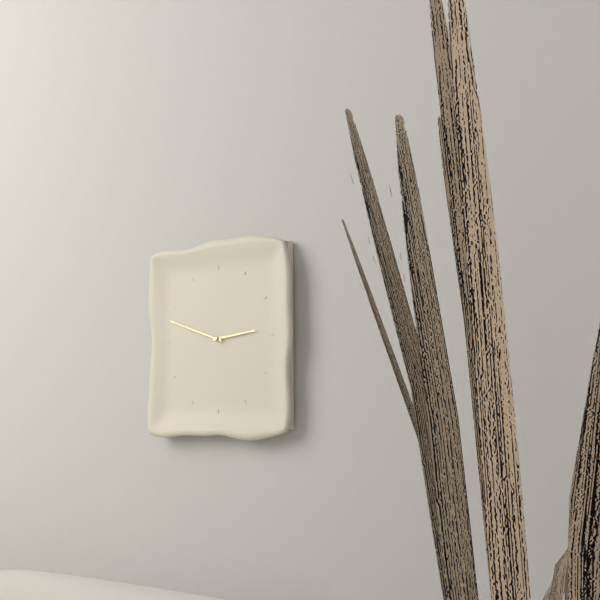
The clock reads 2h48
